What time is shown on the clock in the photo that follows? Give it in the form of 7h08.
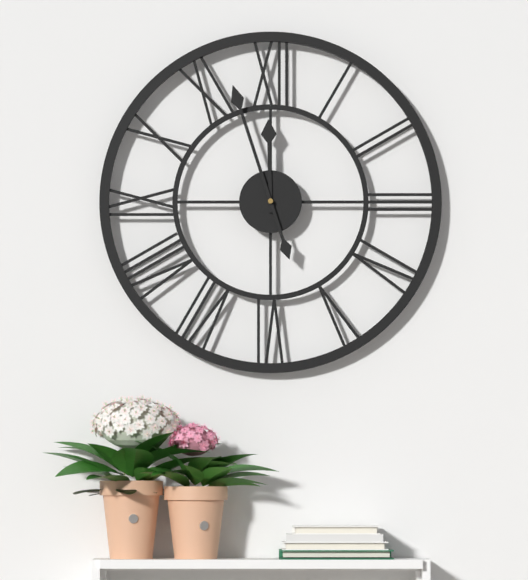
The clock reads 11h57
